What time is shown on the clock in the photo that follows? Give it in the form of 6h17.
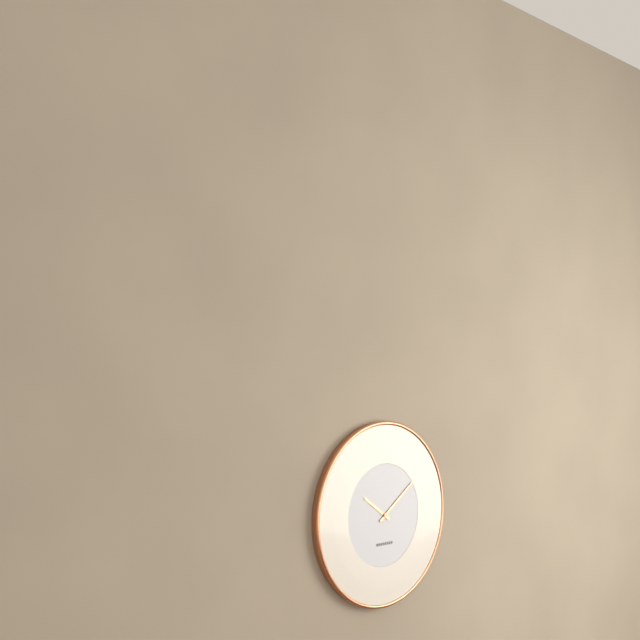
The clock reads 10h09
